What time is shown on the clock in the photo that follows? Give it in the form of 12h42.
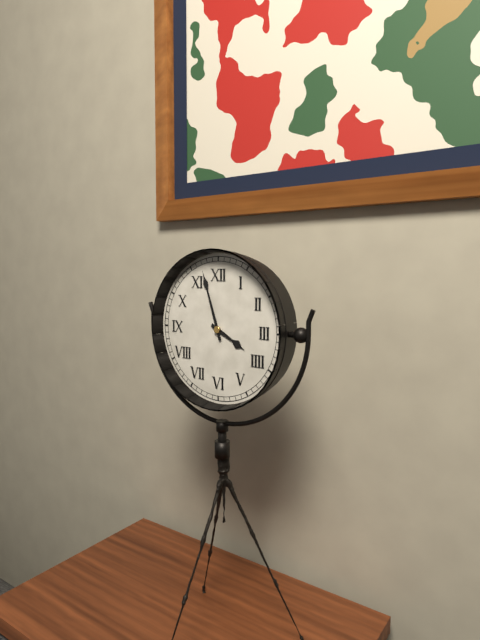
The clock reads 3h57
